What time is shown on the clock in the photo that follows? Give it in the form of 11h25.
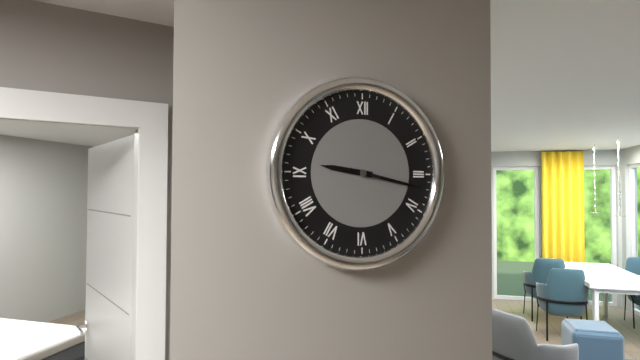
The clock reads 9h17
